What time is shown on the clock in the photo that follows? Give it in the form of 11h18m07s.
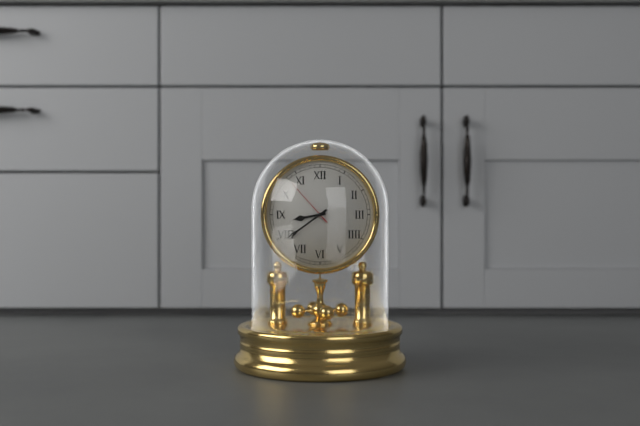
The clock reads 8h39m53s
